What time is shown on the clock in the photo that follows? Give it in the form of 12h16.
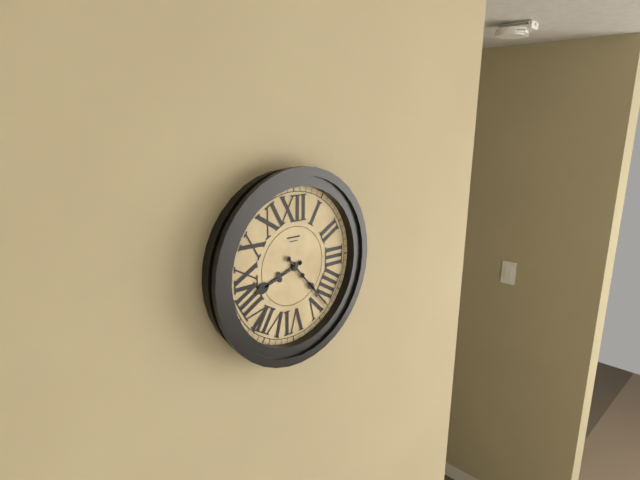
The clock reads 8h23
